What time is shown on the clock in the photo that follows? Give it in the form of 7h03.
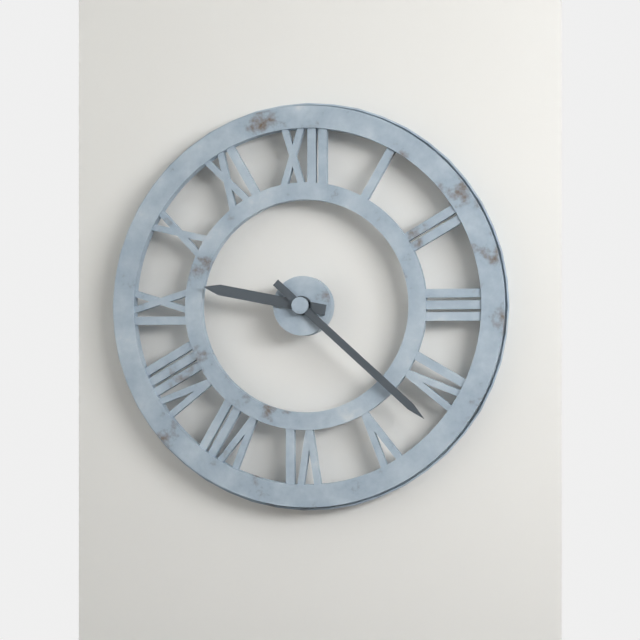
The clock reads 9h22
